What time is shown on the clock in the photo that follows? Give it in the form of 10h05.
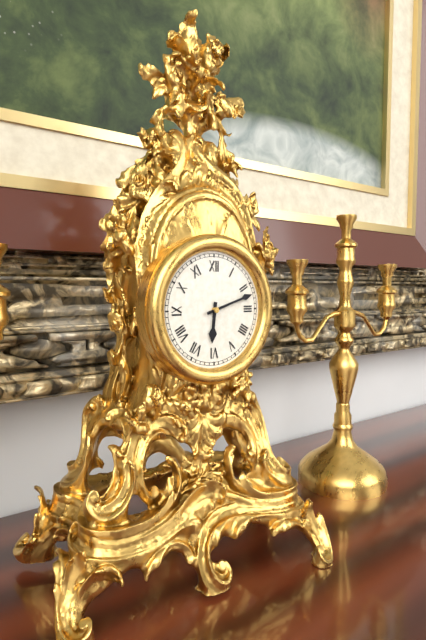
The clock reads 6h12
